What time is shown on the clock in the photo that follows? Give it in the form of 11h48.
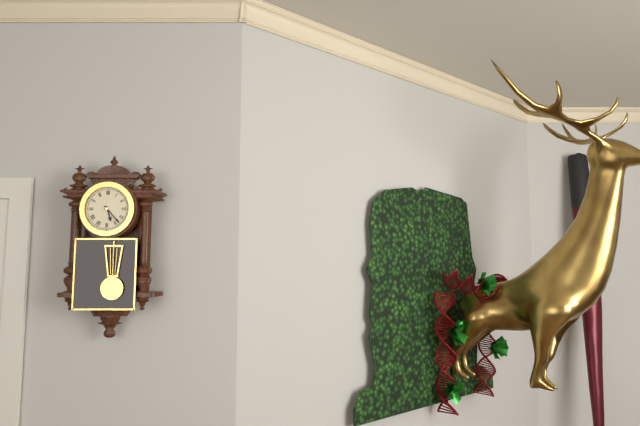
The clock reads 5h23
